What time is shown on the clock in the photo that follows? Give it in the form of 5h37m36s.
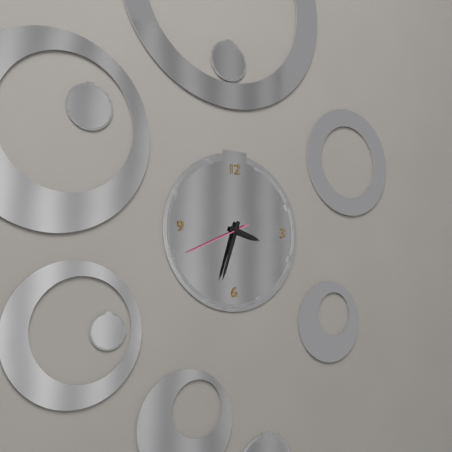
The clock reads 3h33m41s
